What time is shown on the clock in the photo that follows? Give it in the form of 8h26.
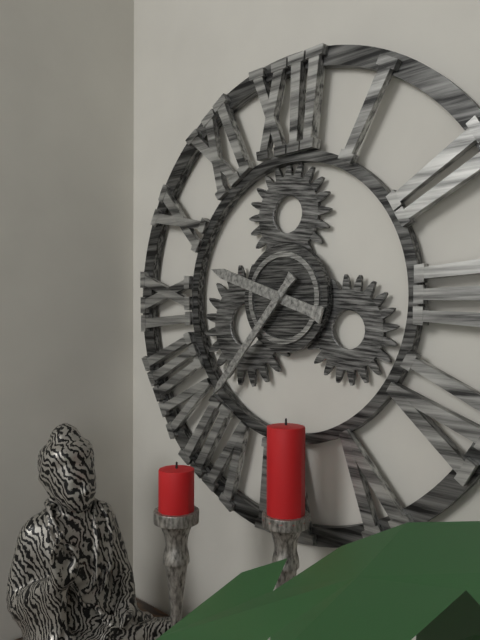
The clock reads 9h37
